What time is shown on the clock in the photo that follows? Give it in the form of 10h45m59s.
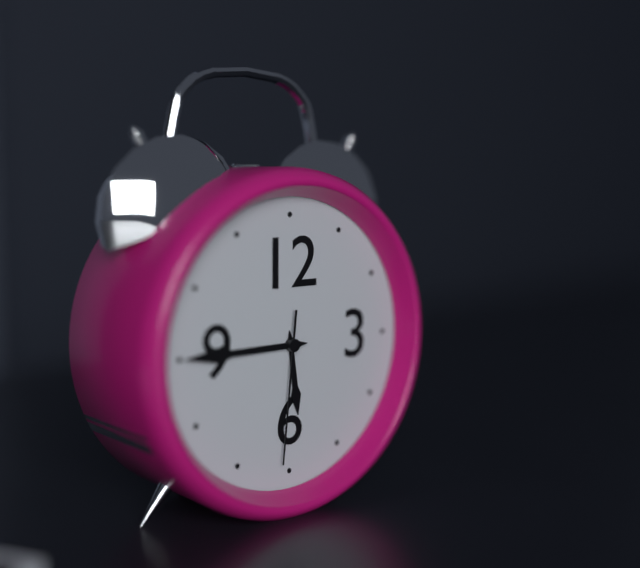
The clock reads 5h45m31s
